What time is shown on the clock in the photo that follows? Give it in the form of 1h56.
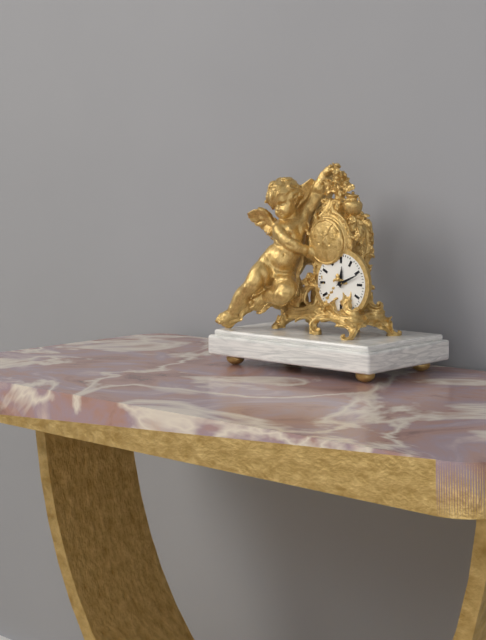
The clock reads 12h11
